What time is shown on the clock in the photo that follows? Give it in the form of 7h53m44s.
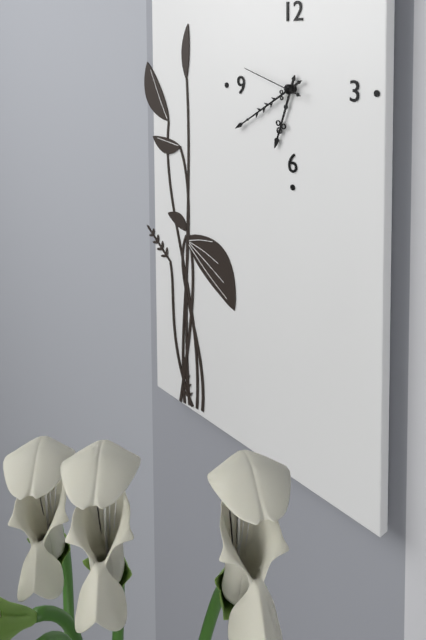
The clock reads 6h40m48s
